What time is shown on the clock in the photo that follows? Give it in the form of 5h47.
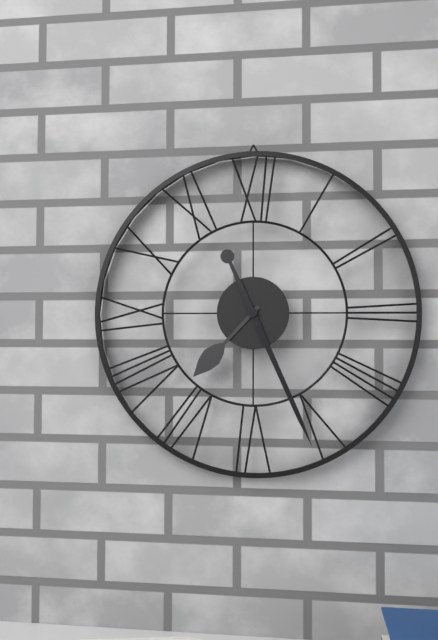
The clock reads 7h26
